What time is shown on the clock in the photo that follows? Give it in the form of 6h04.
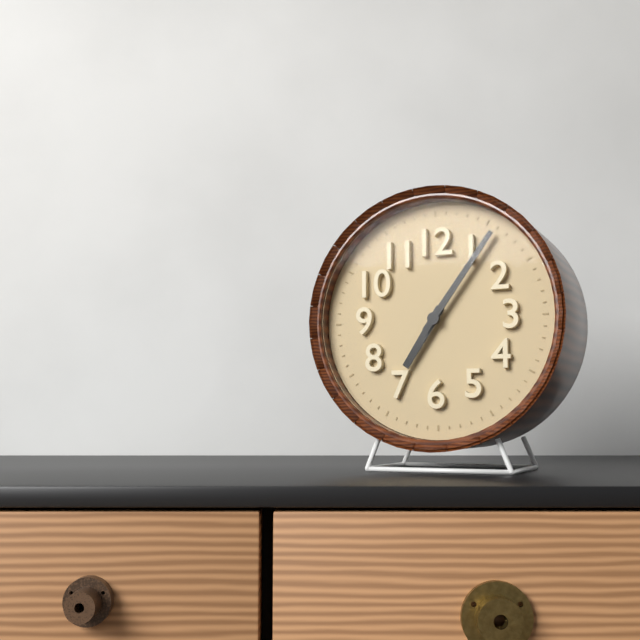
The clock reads 7h06
